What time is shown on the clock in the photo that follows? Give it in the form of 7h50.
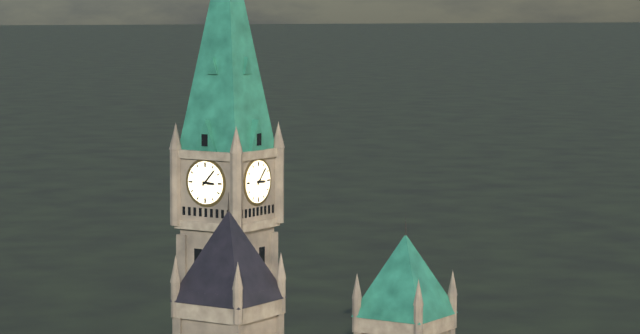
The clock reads 3h07
